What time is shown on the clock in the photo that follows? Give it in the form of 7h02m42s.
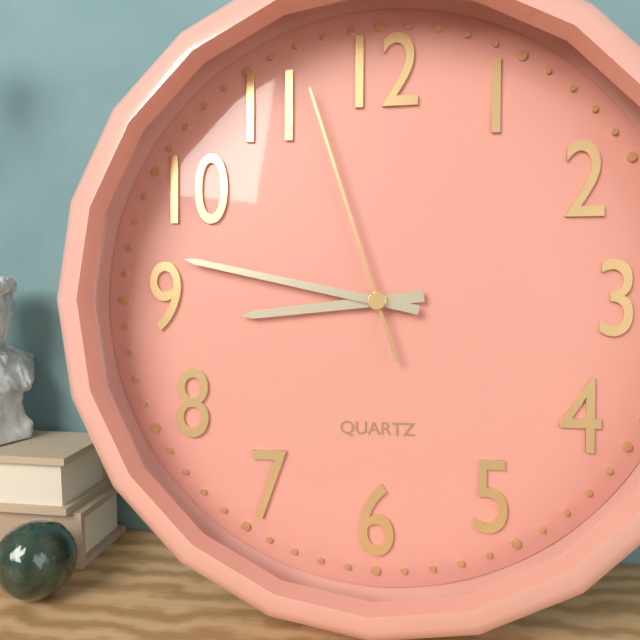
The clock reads 8h47m57s
